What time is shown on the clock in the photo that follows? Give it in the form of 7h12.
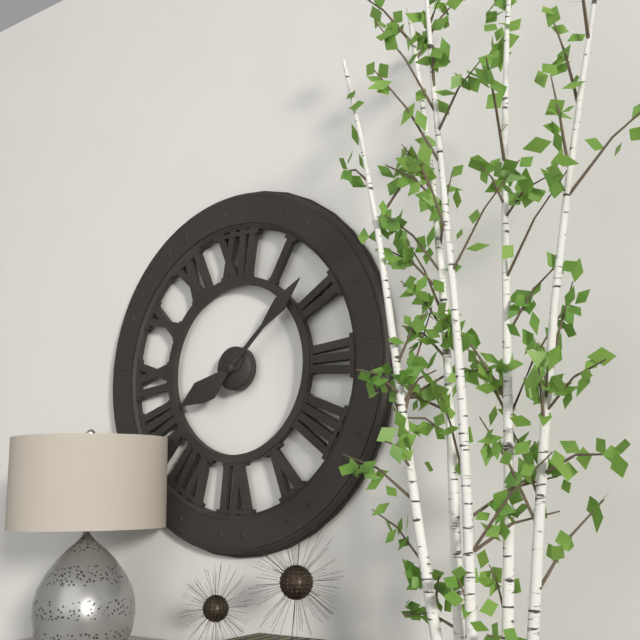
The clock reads 8h08
